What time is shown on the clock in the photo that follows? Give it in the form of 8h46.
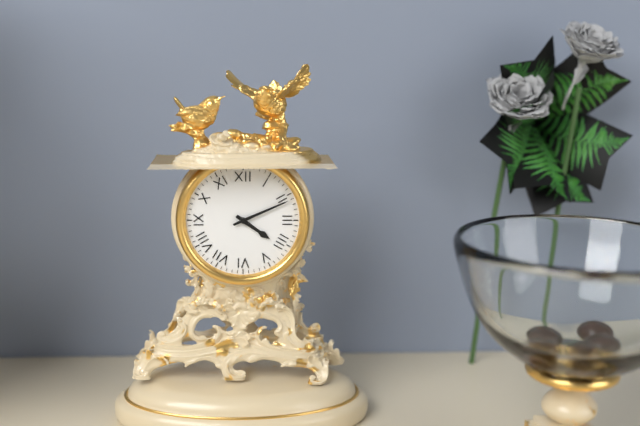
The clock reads 4h11
